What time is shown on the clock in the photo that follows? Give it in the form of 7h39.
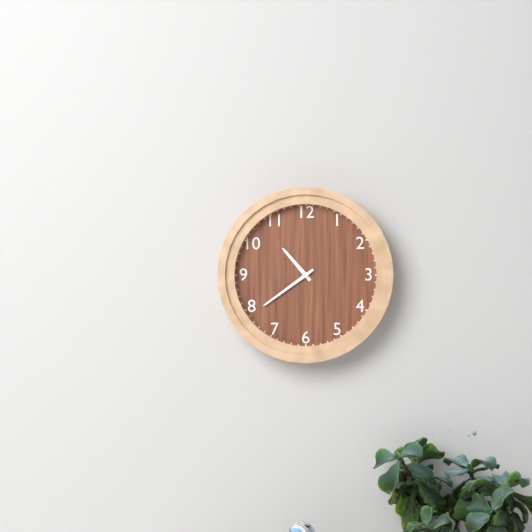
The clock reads 10h39
